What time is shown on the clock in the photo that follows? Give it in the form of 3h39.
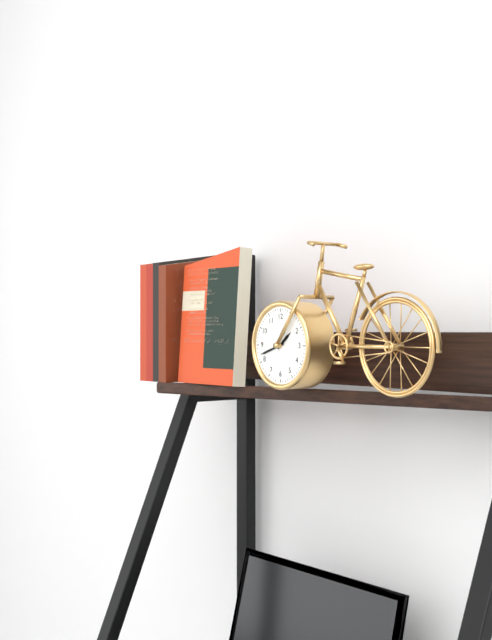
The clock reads 1h42
